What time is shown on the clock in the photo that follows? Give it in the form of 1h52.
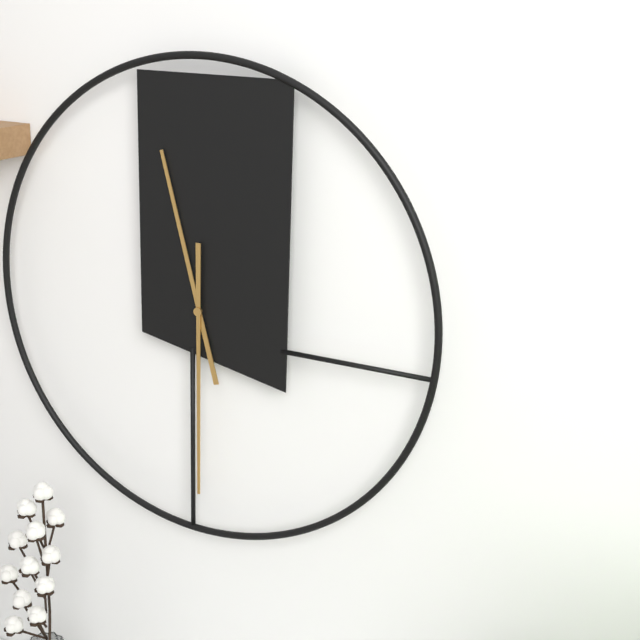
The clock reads 11h30
